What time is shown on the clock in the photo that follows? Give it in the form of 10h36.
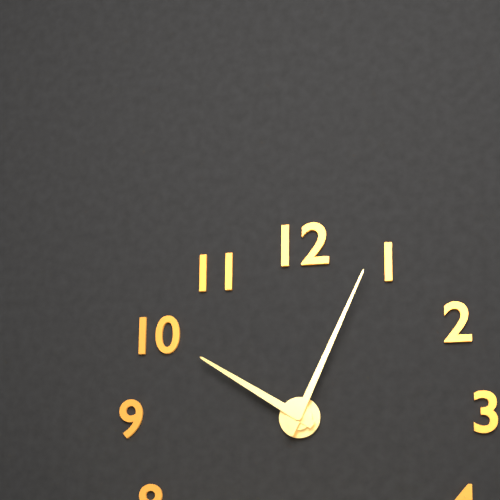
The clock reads 10h04
